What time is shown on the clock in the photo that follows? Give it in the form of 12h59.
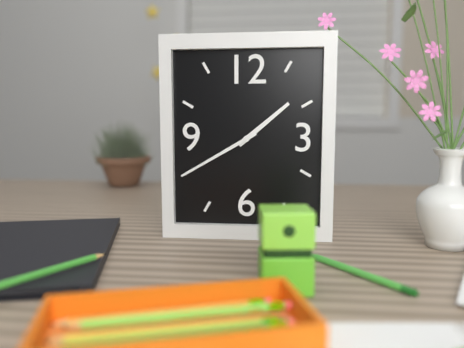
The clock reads 1h40
